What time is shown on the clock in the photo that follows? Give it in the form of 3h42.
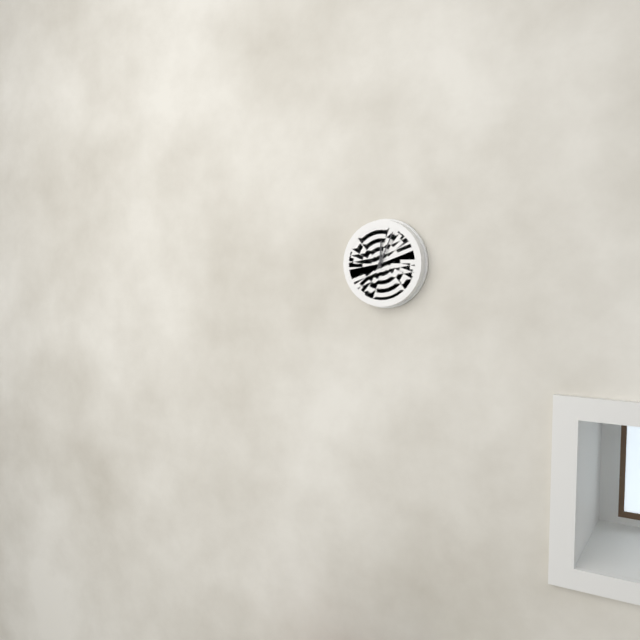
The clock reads 12h04
